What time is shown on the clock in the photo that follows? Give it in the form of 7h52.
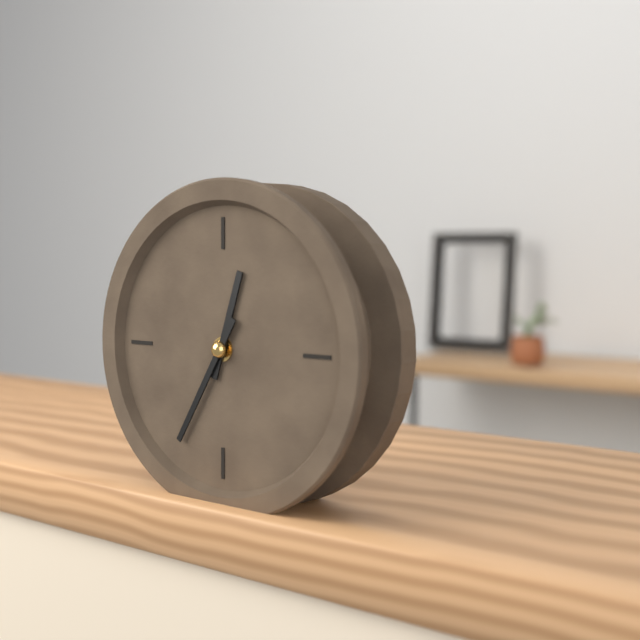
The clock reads 12h35
